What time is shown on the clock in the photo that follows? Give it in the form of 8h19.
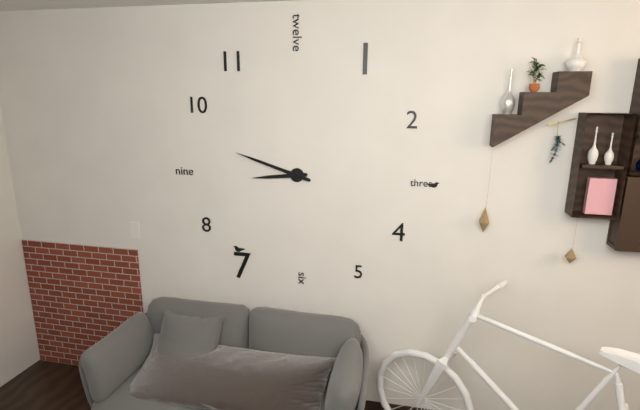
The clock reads 8h48
